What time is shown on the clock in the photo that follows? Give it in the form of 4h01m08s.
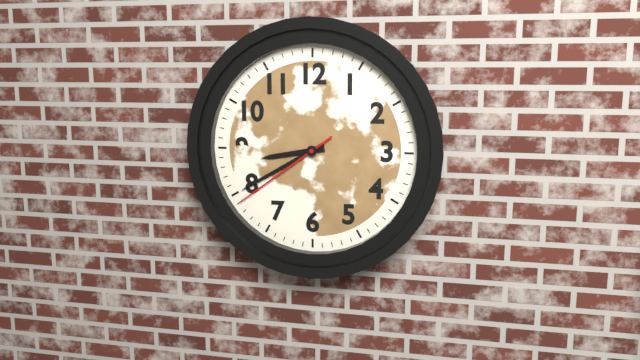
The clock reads 8h40m39s
